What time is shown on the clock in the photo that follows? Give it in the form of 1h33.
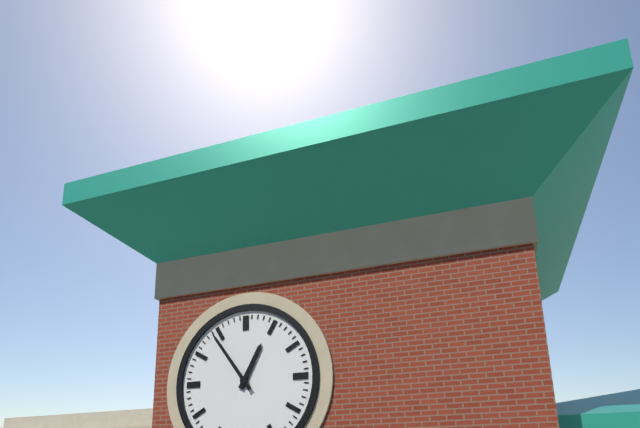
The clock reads 12h54
